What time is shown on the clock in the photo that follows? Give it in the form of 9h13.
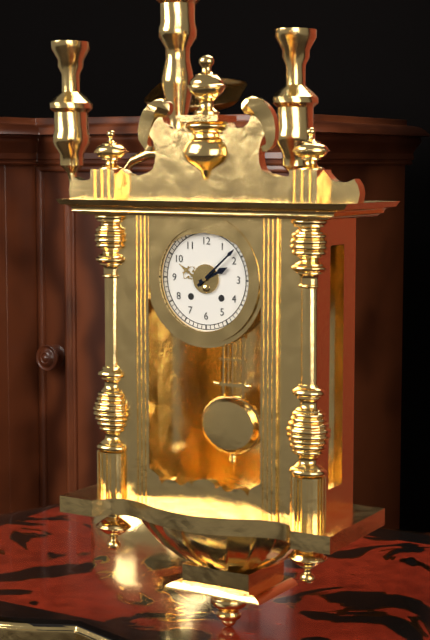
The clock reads 2h08
